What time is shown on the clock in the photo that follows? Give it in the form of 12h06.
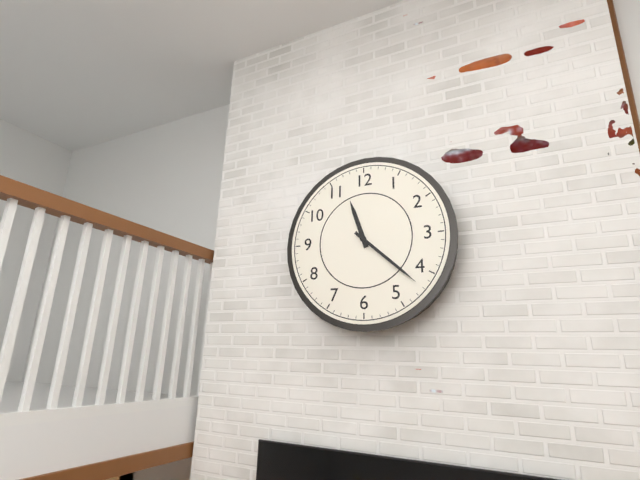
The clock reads 11h22
